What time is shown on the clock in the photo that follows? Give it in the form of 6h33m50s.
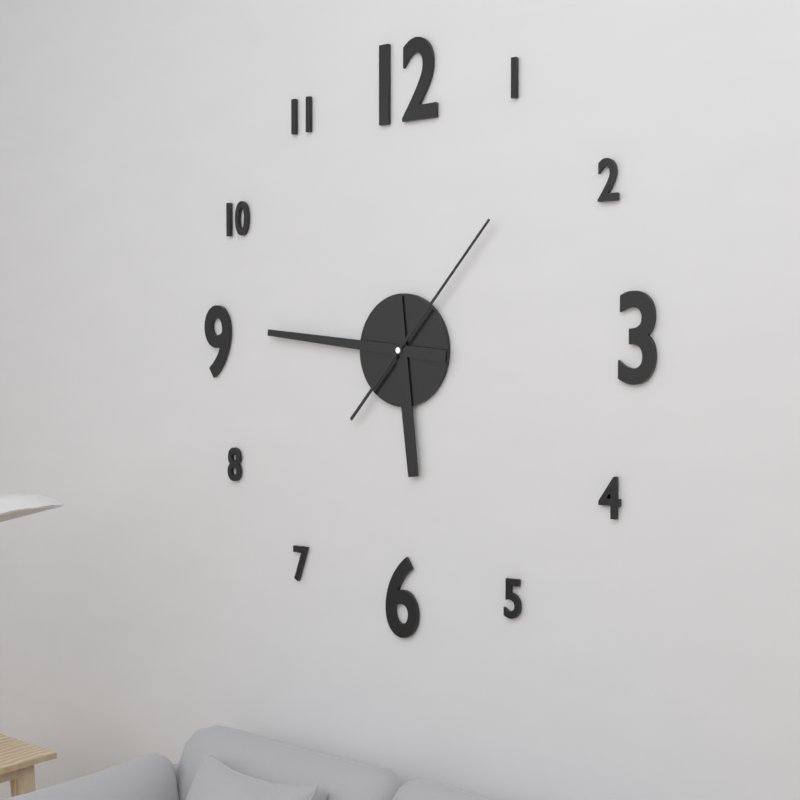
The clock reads 5h46m07s
